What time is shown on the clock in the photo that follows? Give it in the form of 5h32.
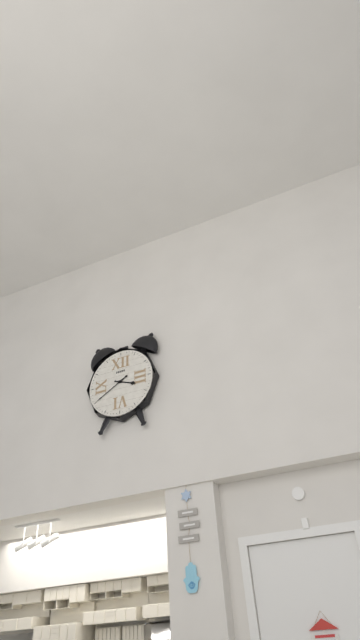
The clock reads 3h40
